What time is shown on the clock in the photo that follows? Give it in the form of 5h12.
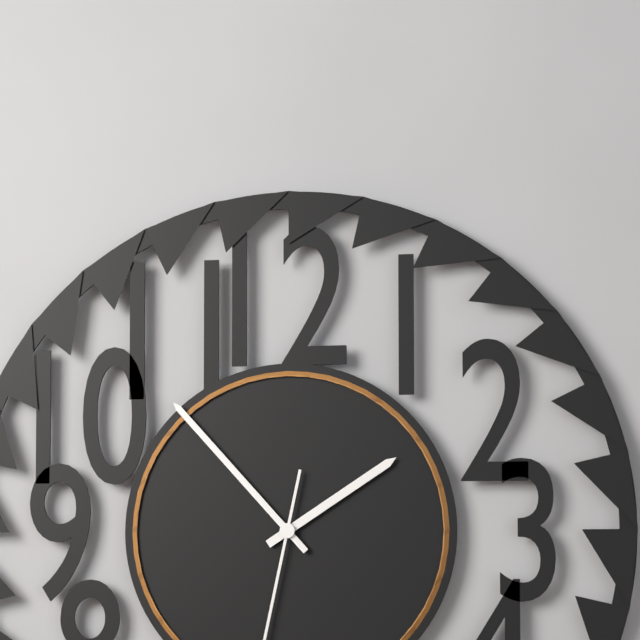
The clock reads 1h53
